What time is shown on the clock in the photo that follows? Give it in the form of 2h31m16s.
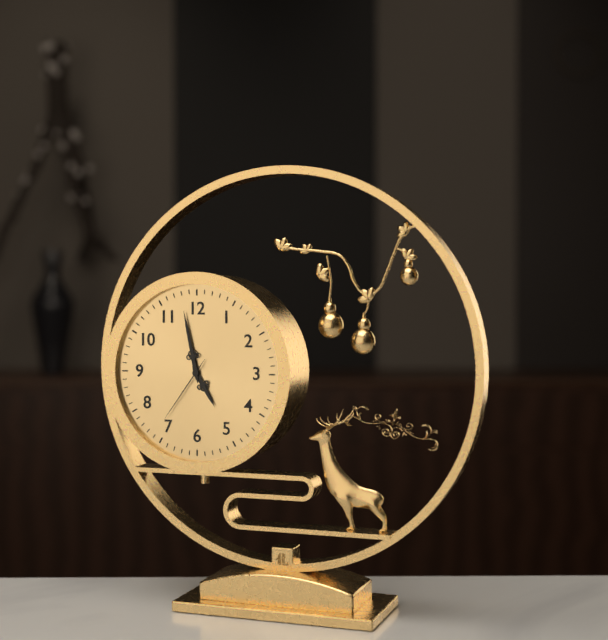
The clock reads 4h58m36s
